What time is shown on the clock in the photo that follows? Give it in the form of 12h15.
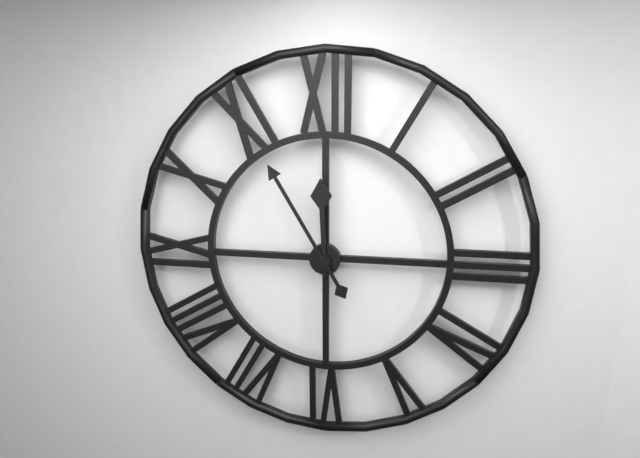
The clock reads 11h55
